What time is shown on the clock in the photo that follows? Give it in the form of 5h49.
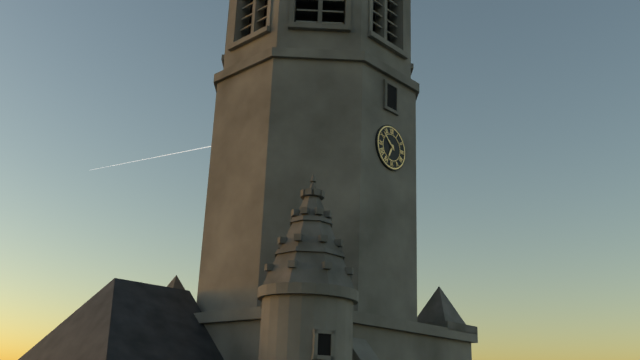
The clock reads 6h52
